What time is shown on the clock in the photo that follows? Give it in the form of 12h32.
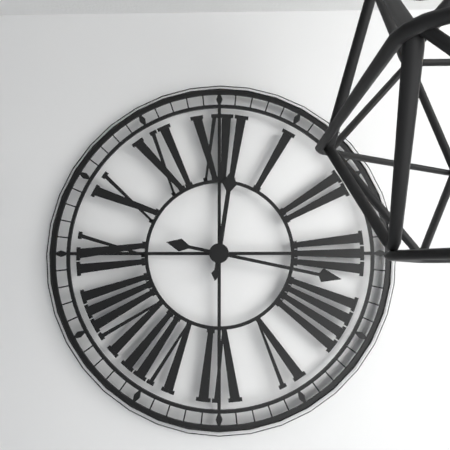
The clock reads 12h17
